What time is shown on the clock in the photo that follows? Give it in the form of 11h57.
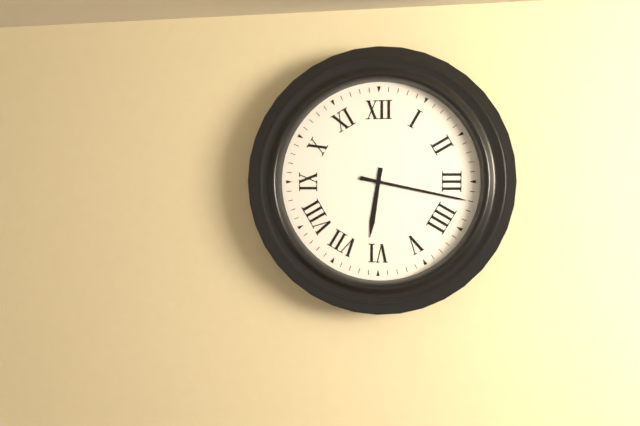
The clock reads 6h17
